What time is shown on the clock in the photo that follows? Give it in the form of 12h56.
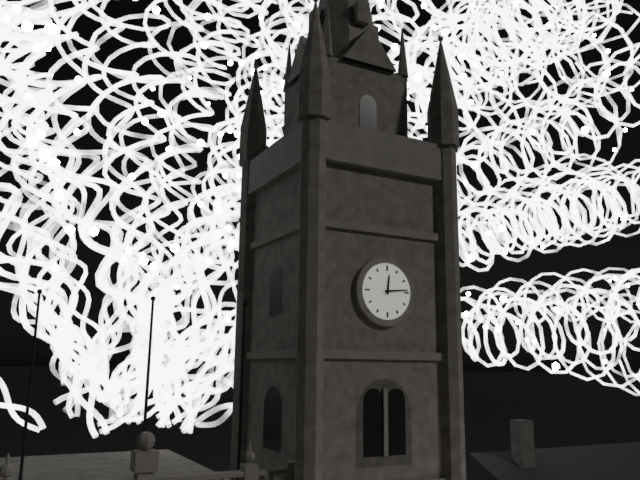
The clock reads 12h14
